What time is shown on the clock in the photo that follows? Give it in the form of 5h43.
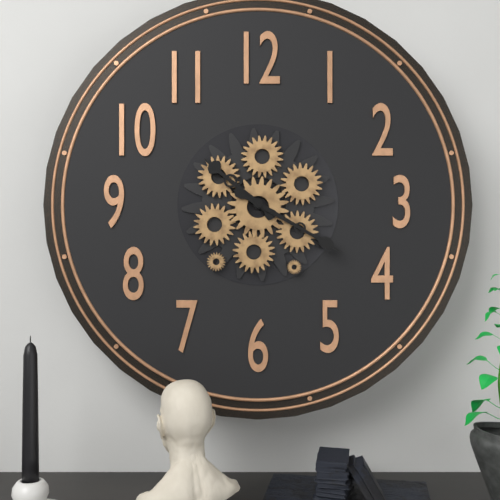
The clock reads 10h20
